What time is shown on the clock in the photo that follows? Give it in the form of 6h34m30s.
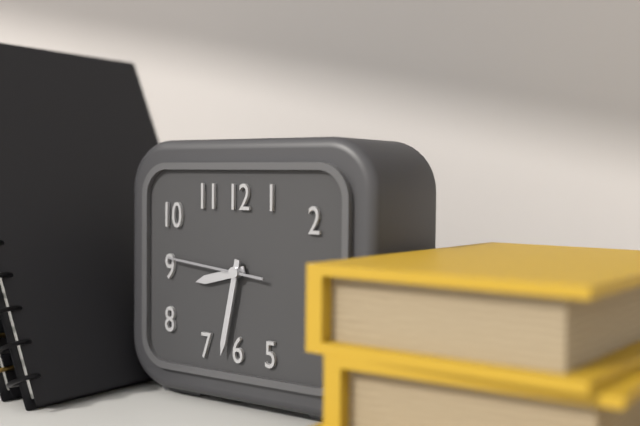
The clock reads 8h32m46s
